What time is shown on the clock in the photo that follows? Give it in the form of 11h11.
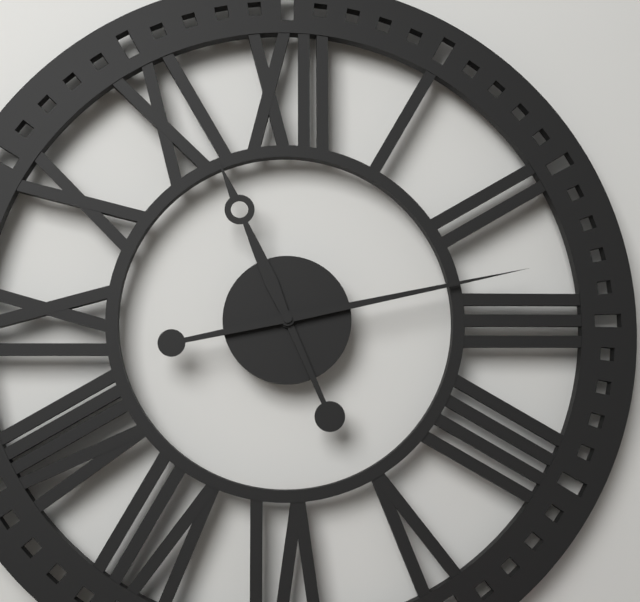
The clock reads 11h13
